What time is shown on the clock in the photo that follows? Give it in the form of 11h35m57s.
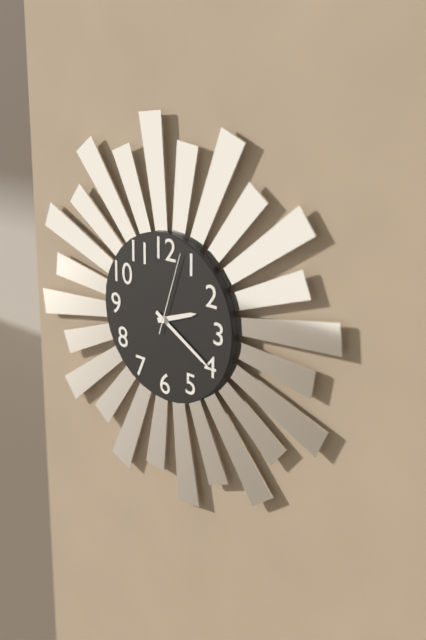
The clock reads 2h20m03s
